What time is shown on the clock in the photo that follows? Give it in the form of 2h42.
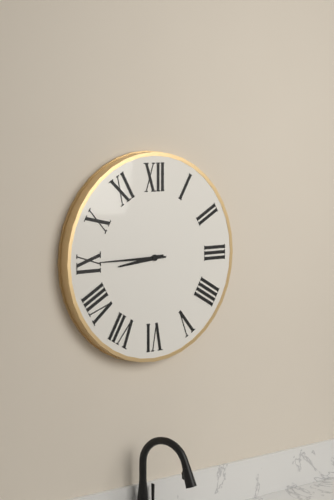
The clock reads 8h45
